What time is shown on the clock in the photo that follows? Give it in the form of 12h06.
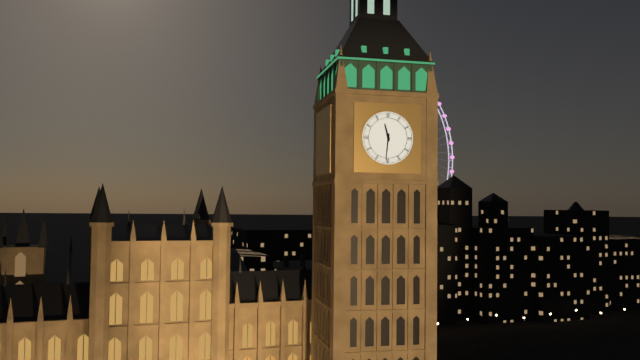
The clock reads 11h31
